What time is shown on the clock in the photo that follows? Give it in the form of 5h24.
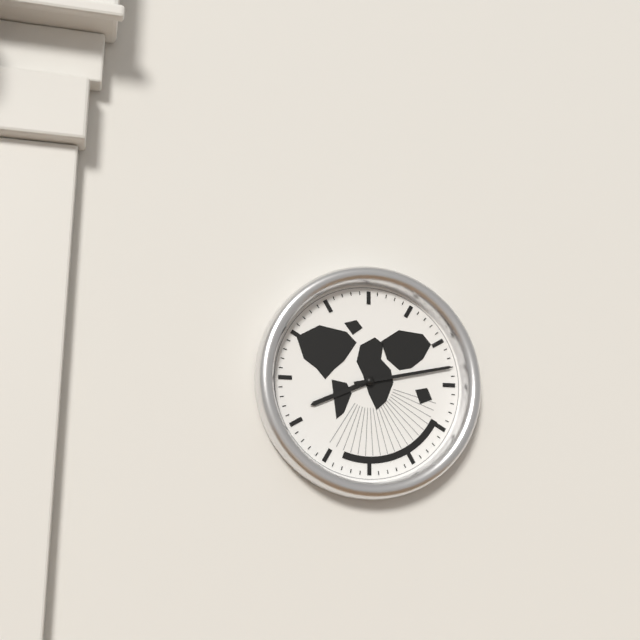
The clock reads 8h13
